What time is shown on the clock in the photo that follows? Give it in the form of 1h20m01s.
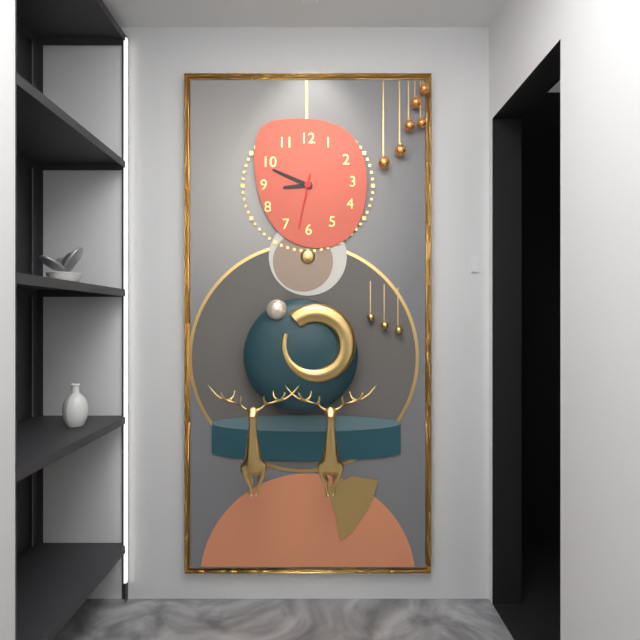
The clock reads 8h49m32s
